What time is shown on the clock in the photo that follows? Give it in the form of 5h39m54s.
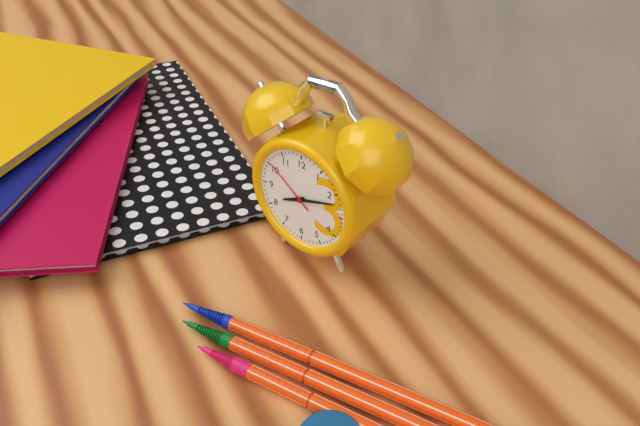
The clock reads 8h12m51s
